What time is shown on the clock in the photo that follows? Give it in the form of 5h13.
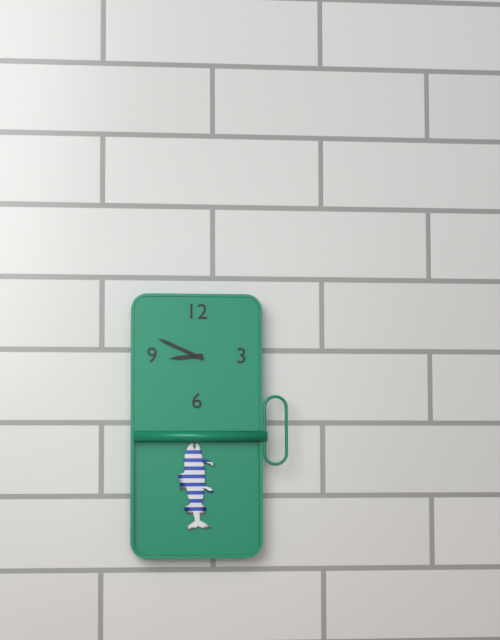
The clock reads 8h49
